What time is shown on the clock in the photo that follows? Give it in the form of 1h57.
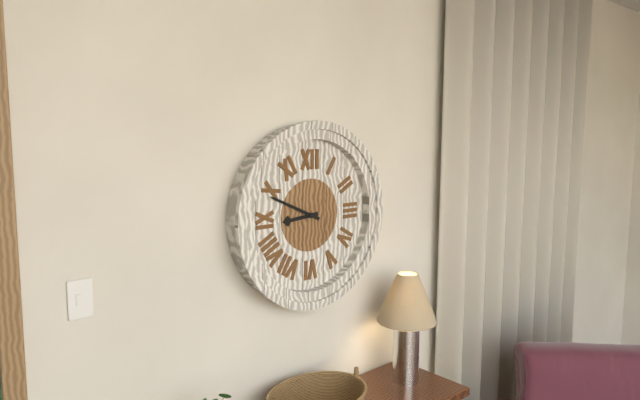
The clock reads 8h49
